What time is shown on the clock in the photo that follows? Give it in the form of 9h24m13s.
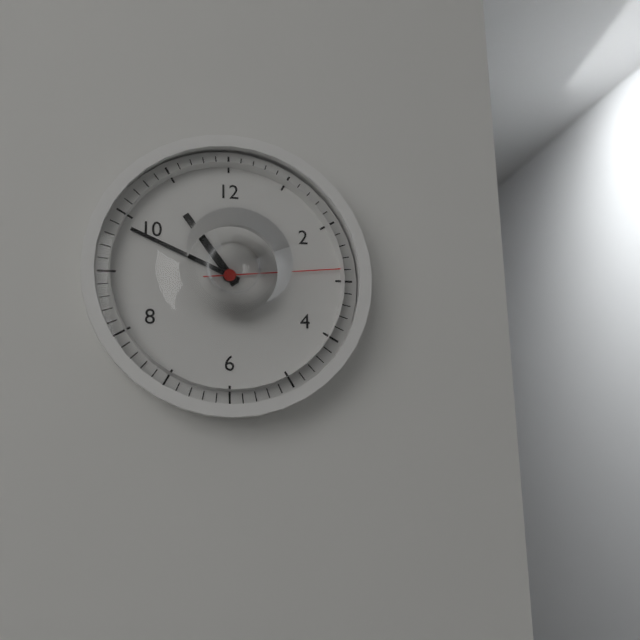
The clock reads 10h49m14s
